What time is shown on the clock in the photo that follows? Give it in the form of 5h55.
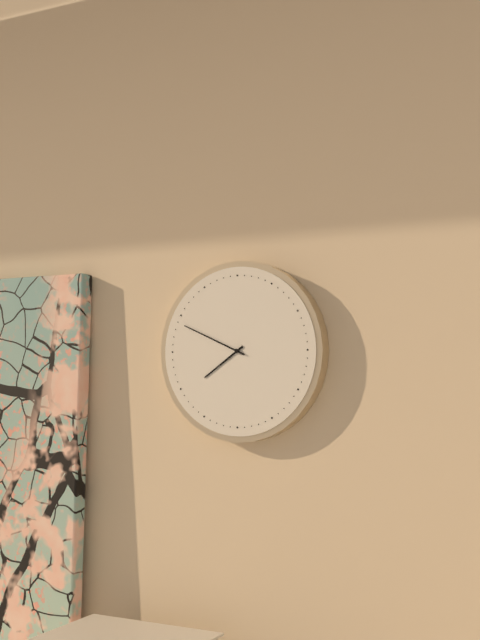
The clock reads 7h49
